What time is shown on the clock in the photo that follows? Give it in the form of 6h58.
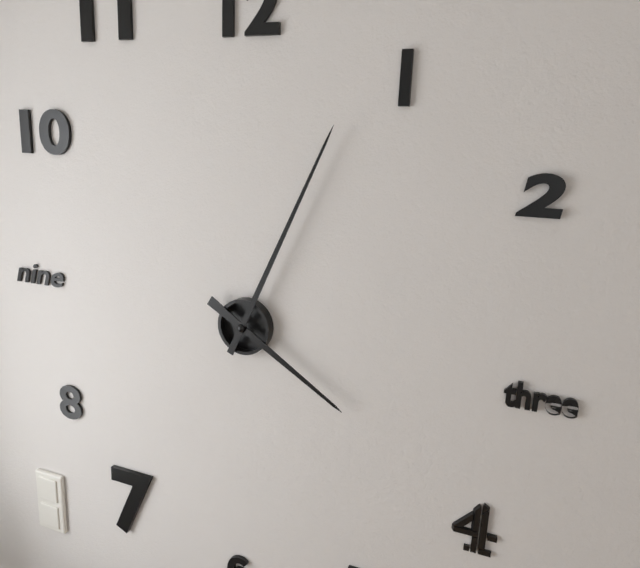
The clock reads 4h04
